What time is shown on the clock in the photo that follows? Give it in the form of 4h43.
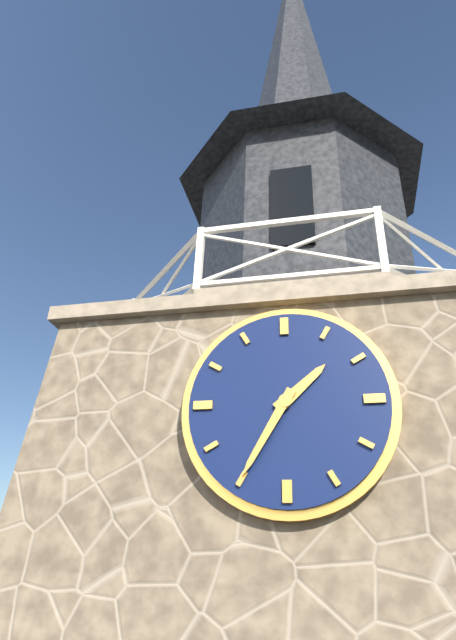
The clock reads 1h35
